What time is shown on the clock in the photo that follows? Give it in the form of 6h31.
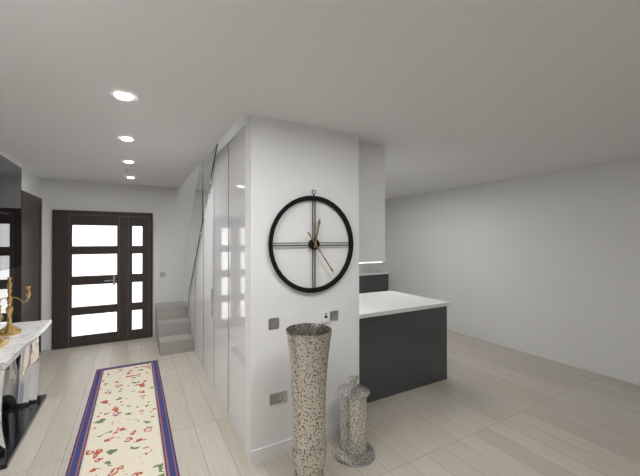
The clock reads 12h24
